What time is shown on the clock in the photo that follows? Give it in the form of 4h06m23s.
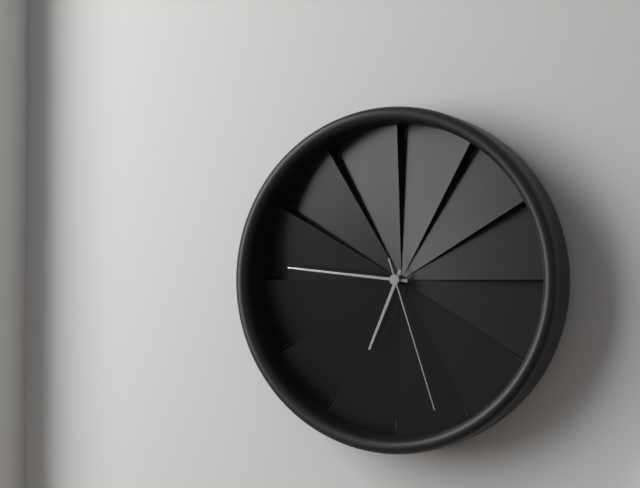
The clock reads 6h46m27s
